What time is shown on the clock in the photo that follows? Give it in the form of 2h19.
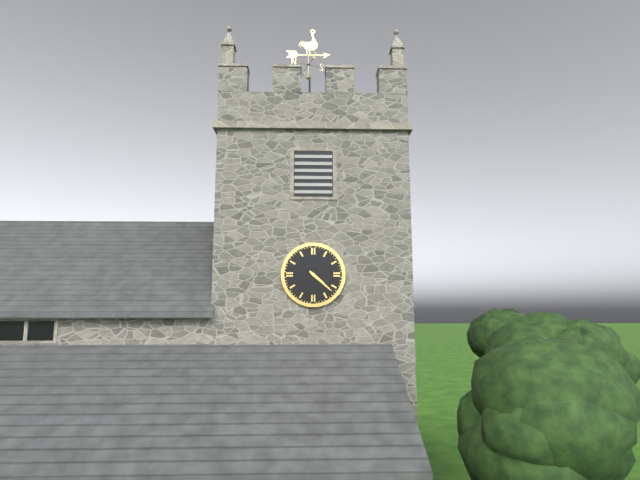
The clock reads 4h22
